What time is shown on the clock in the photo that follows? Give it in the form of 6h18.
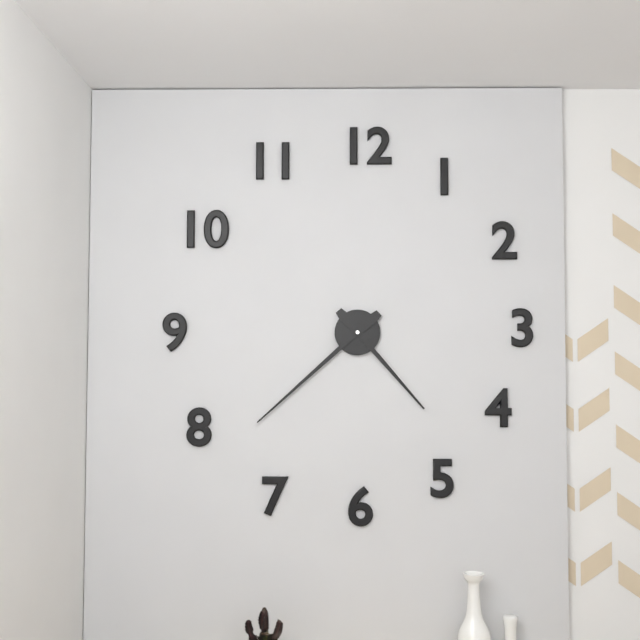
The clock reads 4h38
